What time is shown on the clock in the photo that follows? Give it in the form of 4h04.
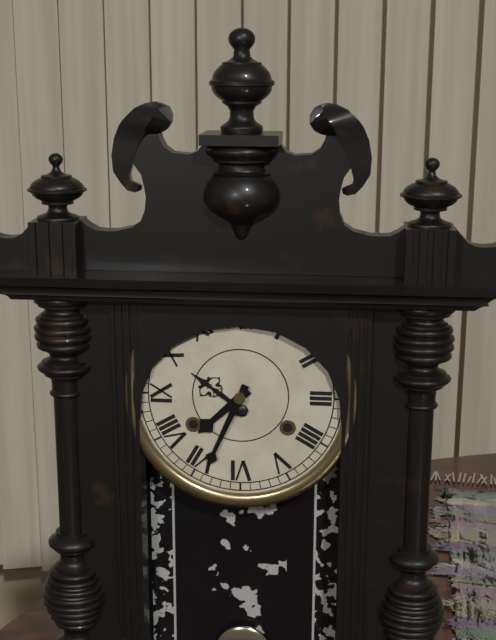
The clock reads 7h34
